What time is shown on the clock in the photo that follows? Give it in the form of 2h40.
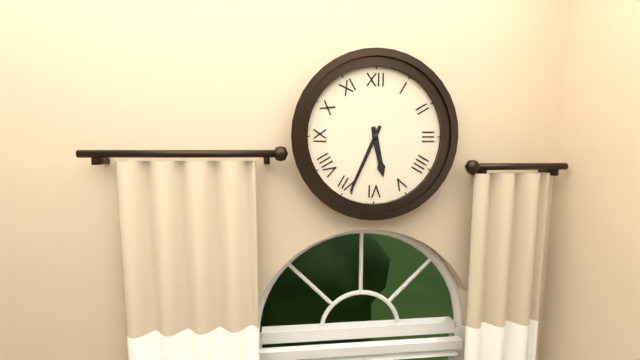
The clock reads 5h34
